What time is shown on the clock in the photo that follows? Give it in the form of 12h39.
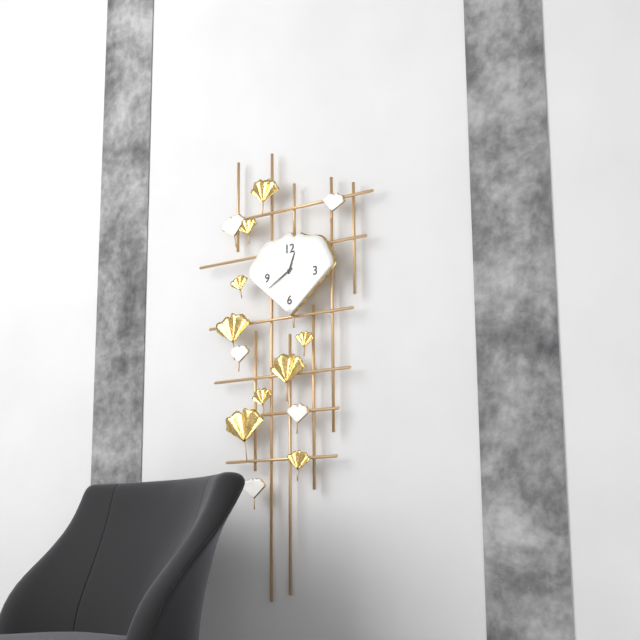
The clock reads 12h40
